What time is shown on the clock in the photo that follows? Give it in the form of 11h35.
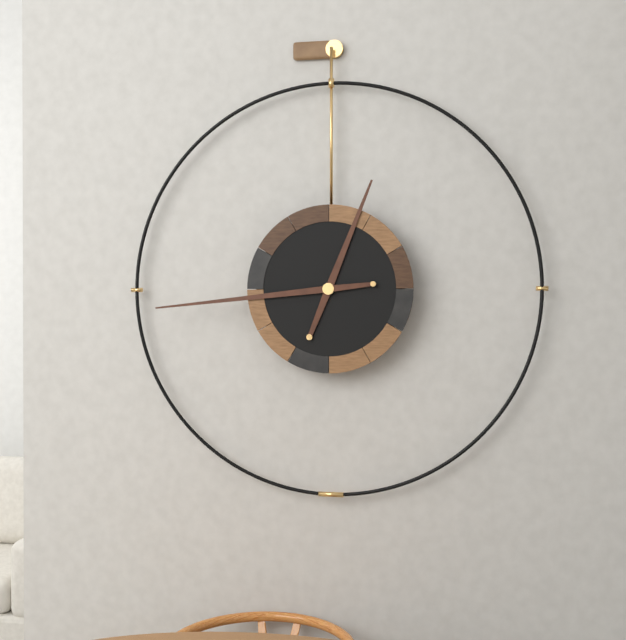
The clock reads 12h44
